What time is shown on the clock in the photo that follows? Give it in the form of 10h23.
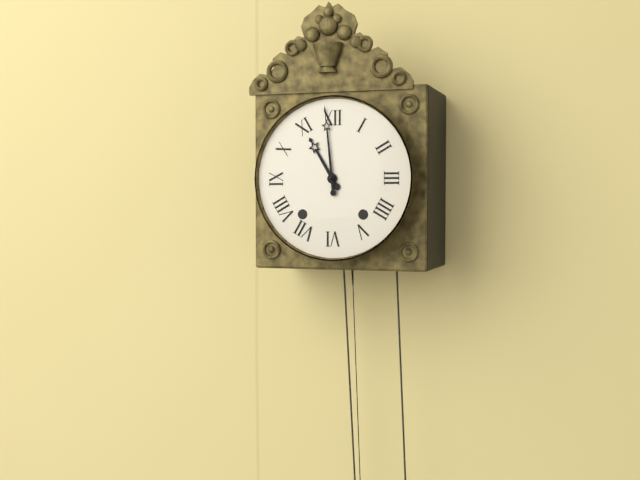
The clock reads 10h59
